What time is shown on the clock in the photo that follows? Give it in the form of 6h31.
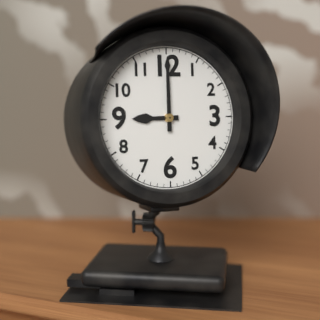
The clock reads 9h00
